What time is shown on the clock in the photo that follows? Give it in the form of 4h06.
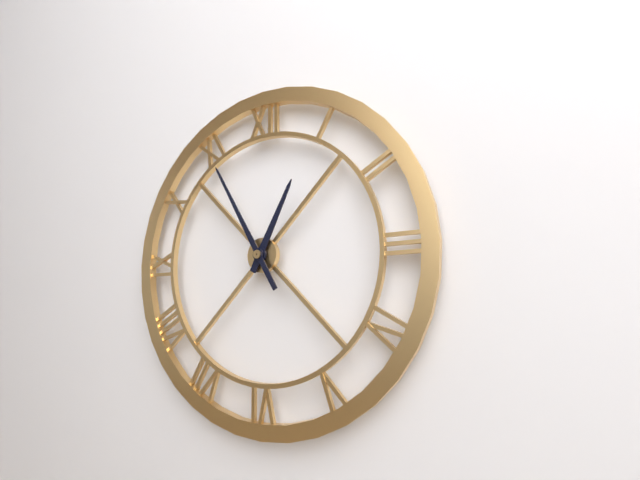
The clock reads 12h55
